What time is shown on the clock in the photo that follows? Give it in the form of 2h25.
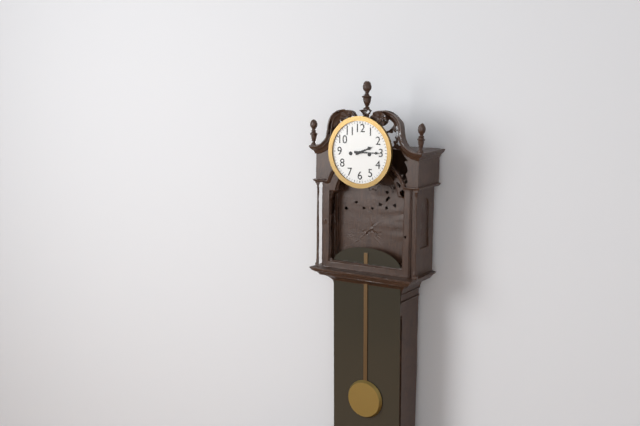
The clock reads 2h15
